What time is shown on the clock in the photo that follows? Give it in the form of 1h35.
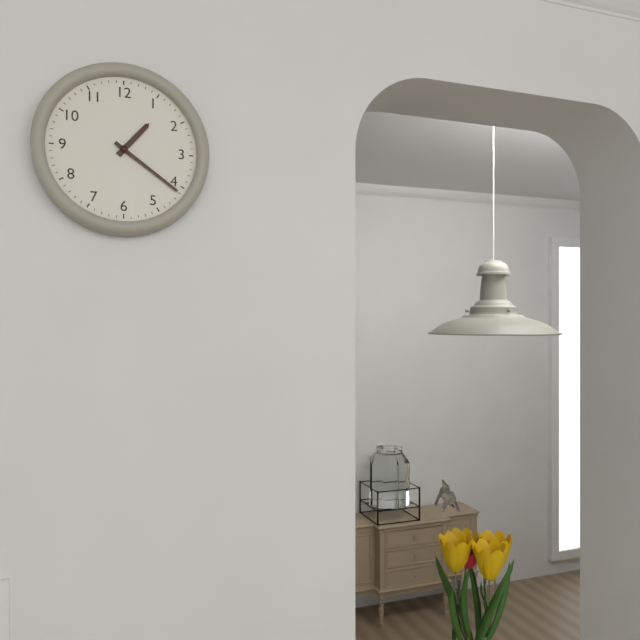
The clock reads 1h21
